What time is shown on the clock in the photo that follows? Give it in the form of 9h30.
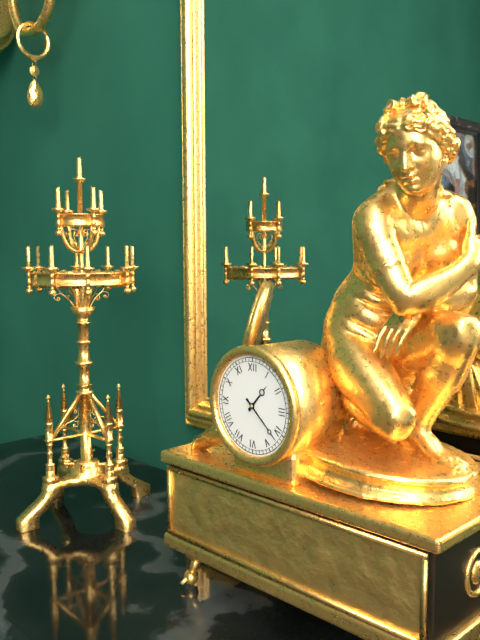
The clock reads 1h22
